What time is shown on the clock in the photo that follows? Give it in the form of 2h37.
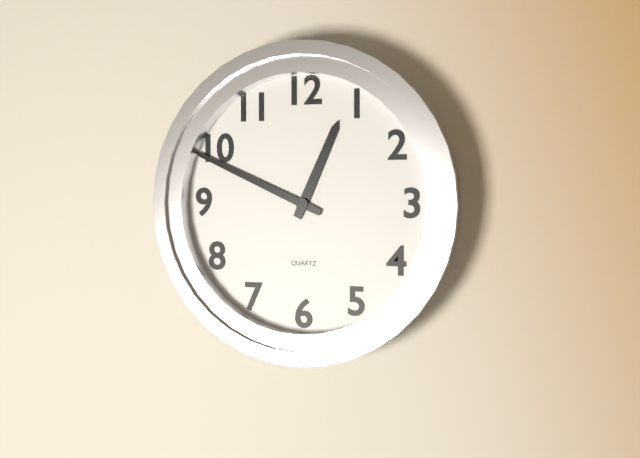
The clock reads 12h49
